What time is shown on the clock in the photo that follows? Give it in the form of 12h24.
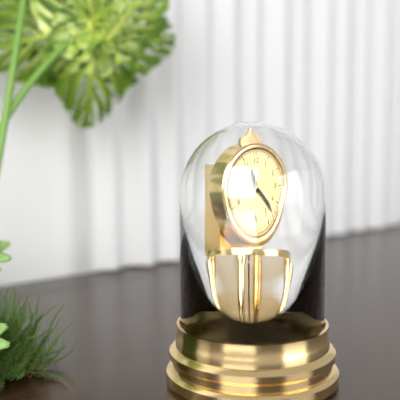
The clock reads 11h23
